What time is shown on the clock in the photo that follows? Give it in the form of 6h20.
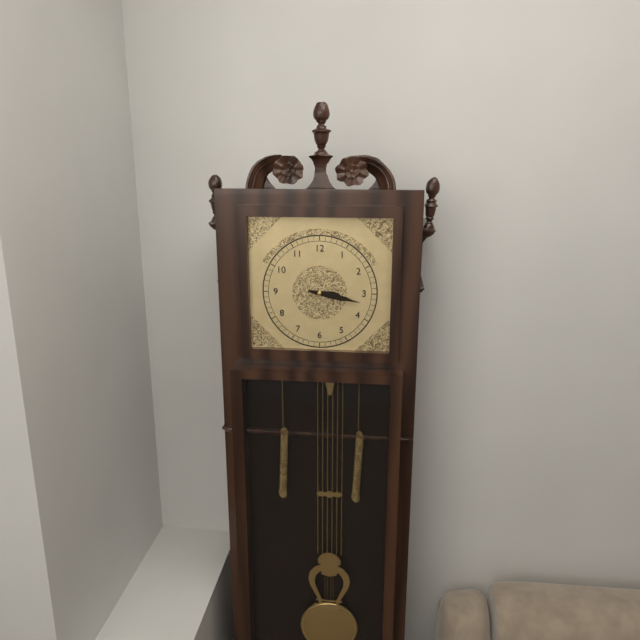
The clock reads 3h17
